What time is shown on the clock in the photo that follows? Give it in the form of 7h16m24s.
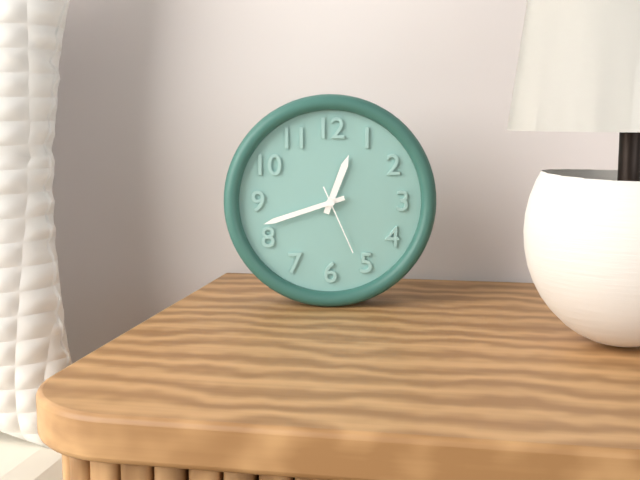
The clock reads 12h42m26s
